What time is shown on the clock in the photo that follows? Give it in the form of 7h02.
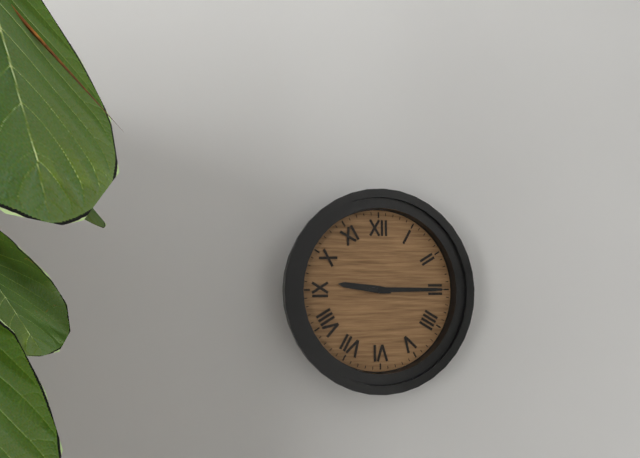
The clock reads 9h15
